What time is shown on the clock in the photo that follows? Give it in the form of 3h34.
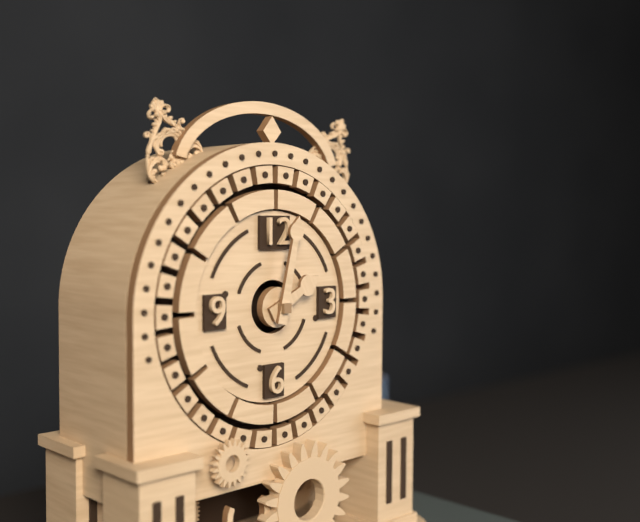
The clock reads 2h02
